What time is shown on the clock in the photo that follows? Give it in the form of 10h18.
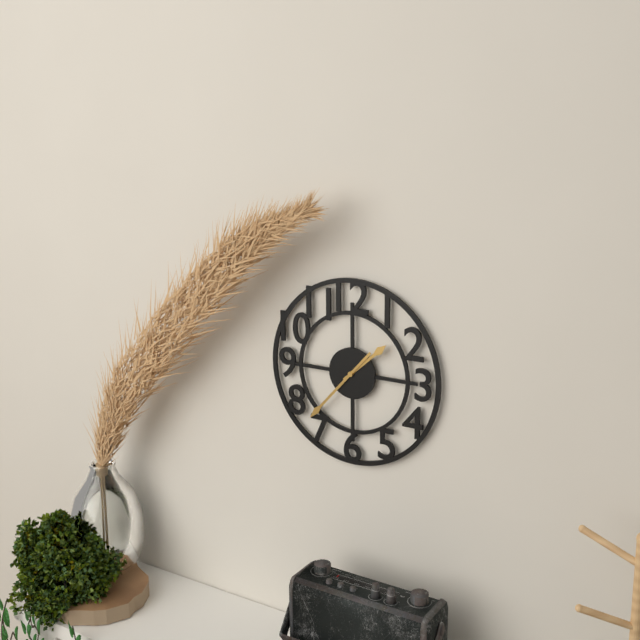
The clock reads 1h37
